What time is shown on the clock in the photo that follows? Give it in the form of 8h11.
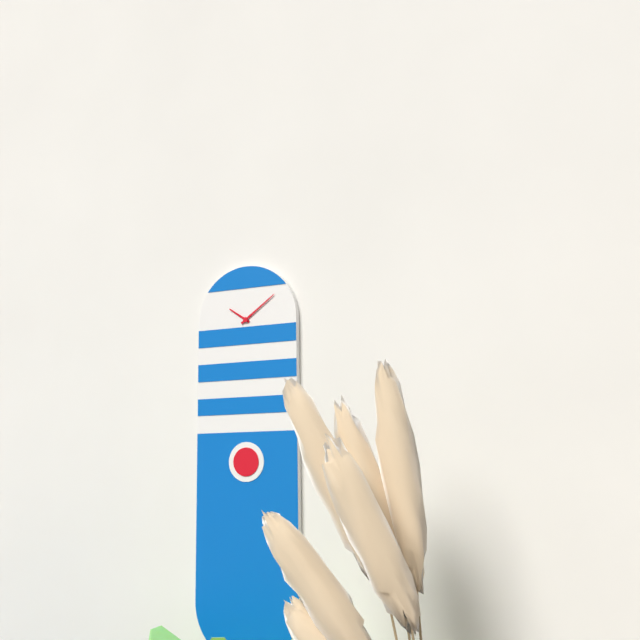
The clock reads 10h09
